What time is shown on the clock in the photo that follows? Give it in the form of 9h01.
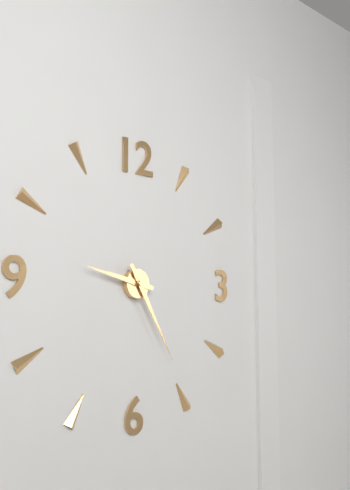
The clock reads 9h25
